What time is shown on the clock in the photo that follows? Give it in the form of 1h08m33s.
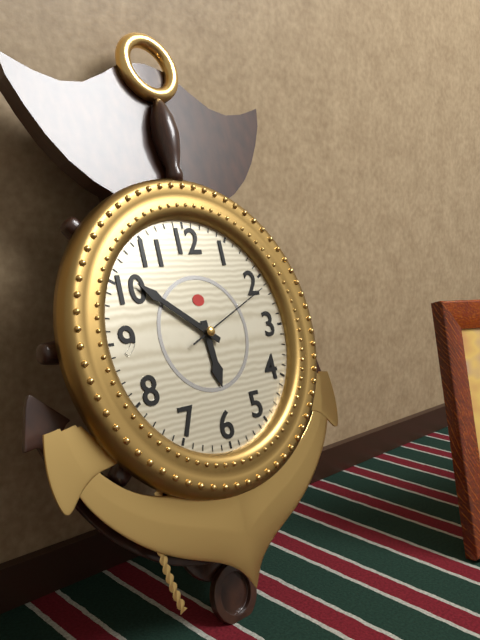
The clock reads 5h51m11s
